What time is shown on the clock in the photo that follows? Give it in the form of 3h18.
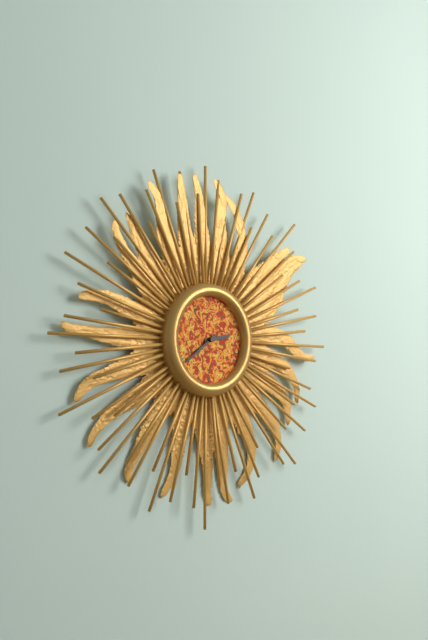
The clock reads 2h39
